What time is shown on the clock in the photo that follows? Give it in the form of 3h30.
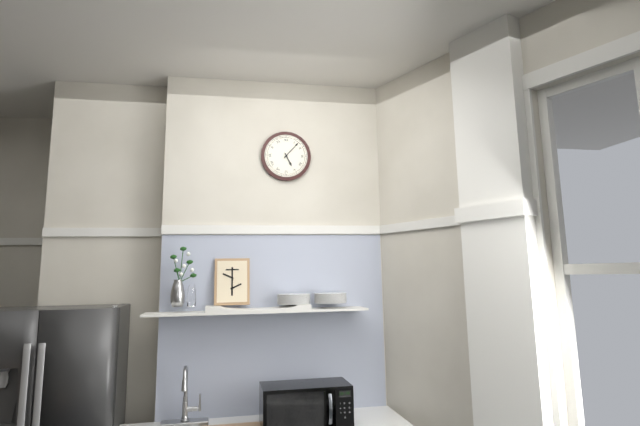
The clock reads 5h07
